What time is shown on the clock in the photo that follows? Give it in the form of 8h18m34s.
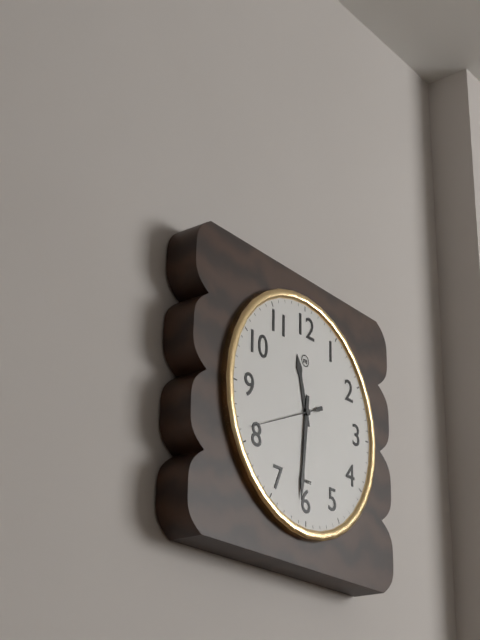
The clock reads 11h31m41s
